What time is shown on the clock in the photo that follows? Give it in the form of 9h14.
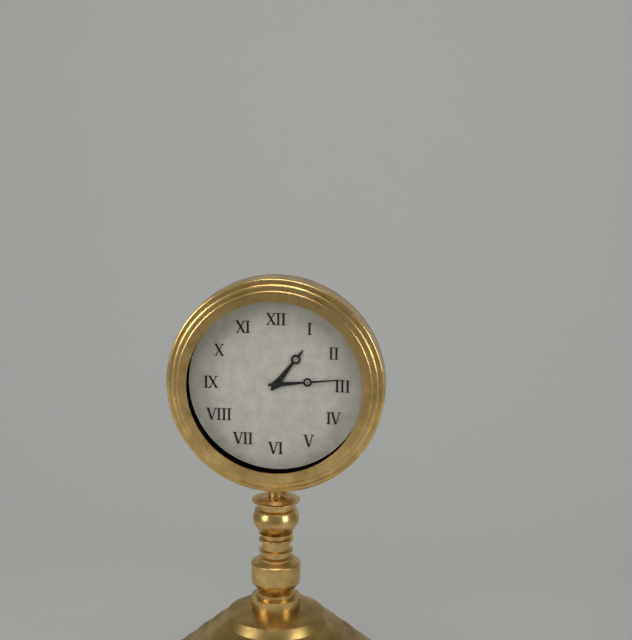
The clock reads 1h14
